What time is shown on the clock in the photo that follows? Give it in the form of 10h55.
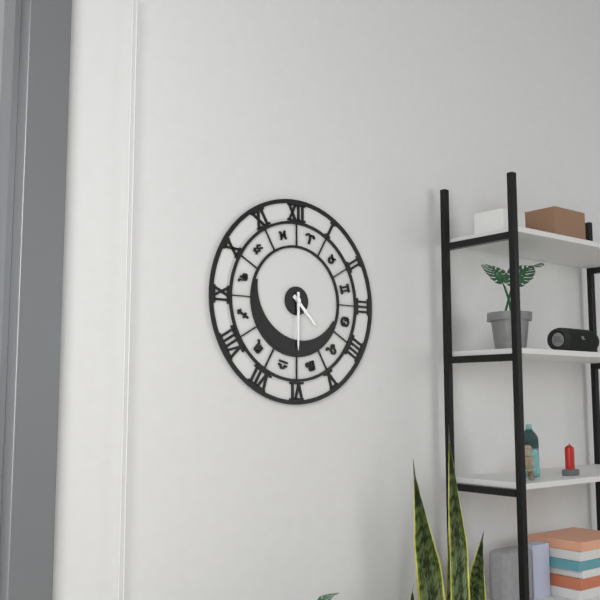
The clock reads 4h30
